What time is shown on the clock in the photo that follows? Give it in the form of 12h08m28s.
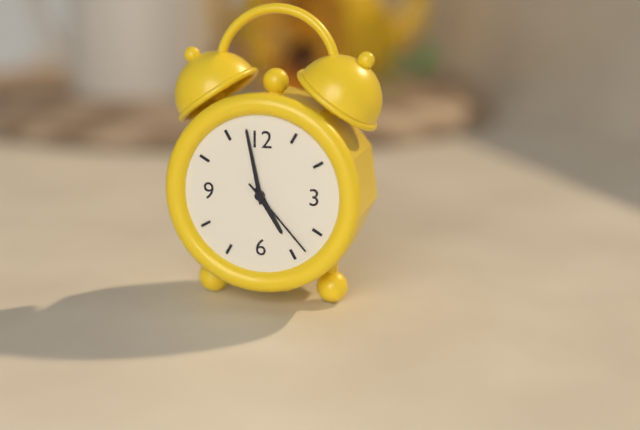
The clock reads 4h58m23s
